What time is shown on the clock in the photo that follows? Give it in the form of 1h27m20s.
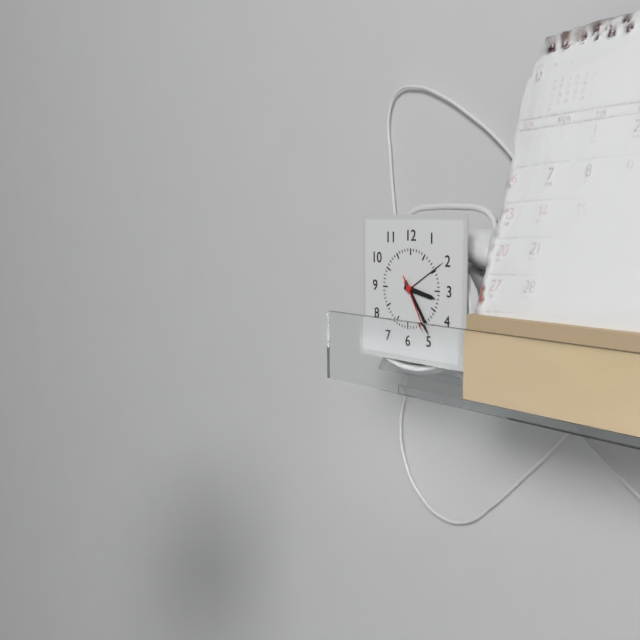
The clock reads 3h24m25s
